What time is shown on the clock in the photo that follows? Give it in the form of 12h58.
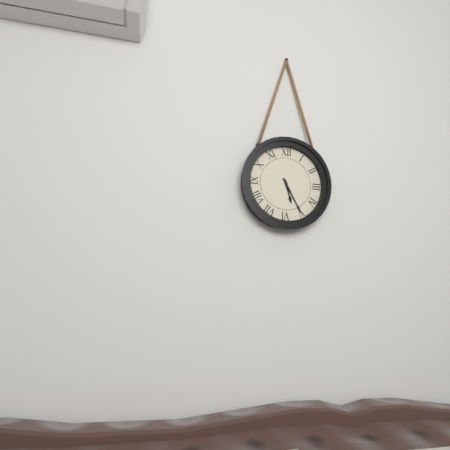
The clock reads 5h25
